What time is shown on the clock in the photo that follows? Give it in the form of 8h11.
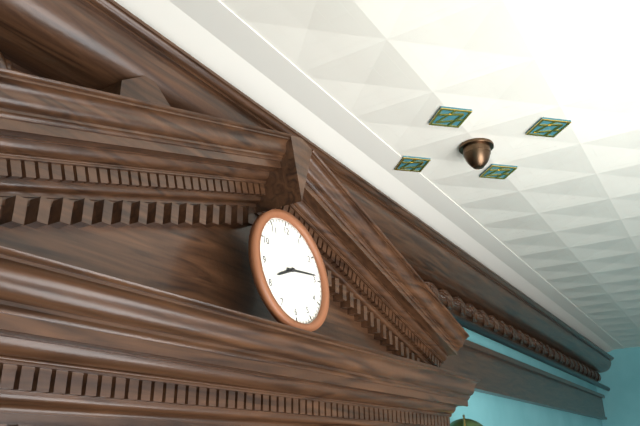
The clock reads 8h14
